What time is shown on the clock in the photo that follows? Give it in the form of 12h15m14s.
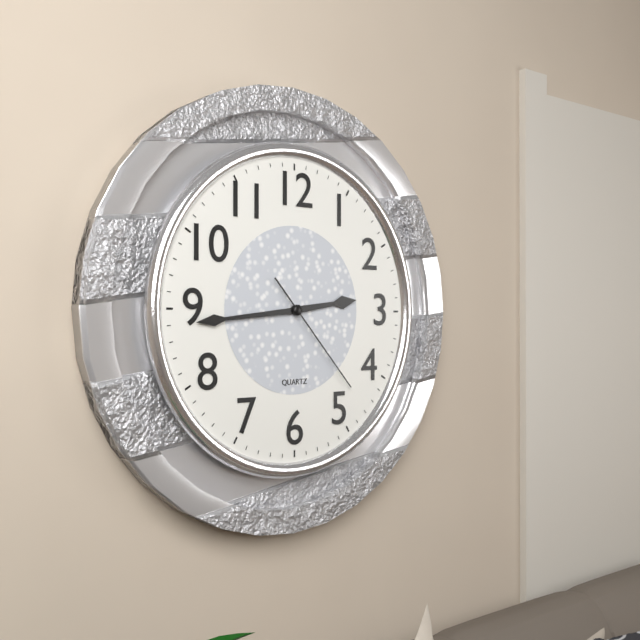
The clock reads 2h44m23s
